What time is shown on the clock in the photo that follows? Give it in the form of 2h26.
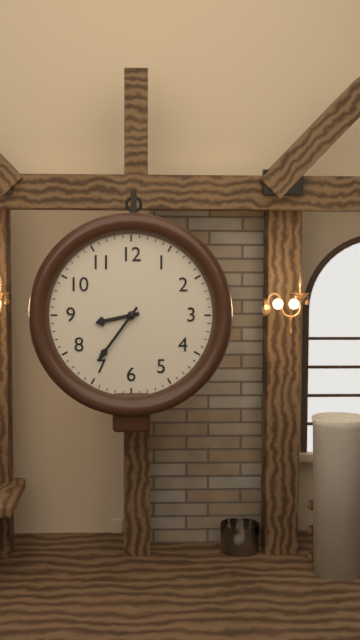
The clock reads 8h36
